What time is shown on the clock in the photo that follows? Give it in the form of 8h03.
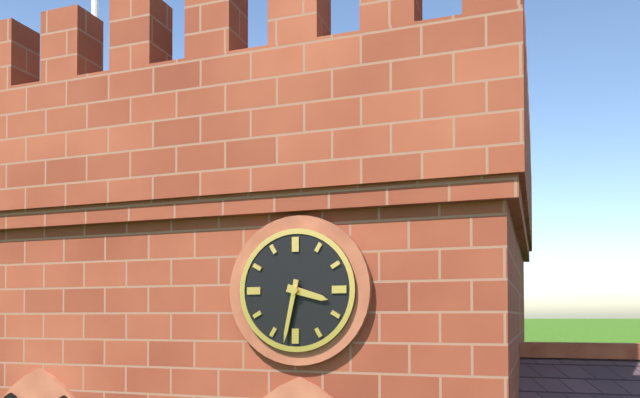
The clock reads 3h32
